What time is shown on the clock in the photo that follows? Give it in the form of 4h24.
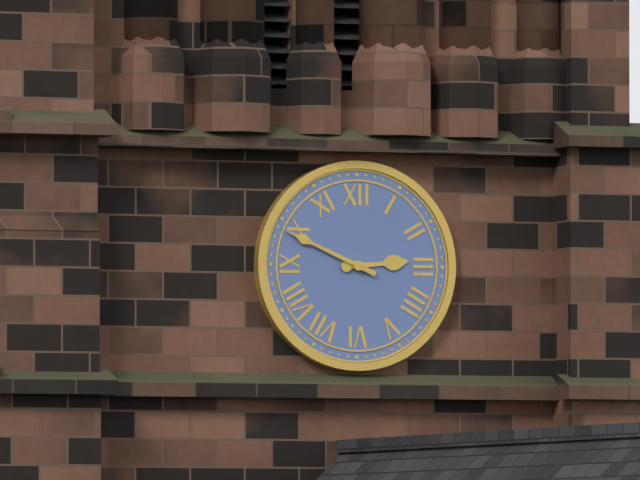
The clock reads 2h49
